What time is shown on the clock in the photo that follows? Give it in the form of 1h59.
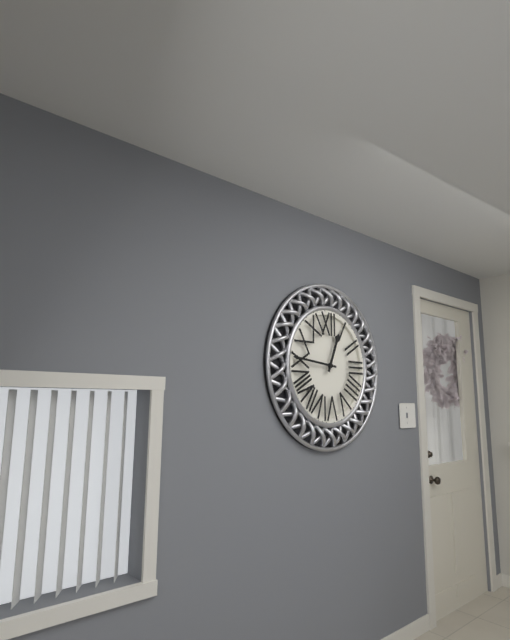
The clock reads 12h46
